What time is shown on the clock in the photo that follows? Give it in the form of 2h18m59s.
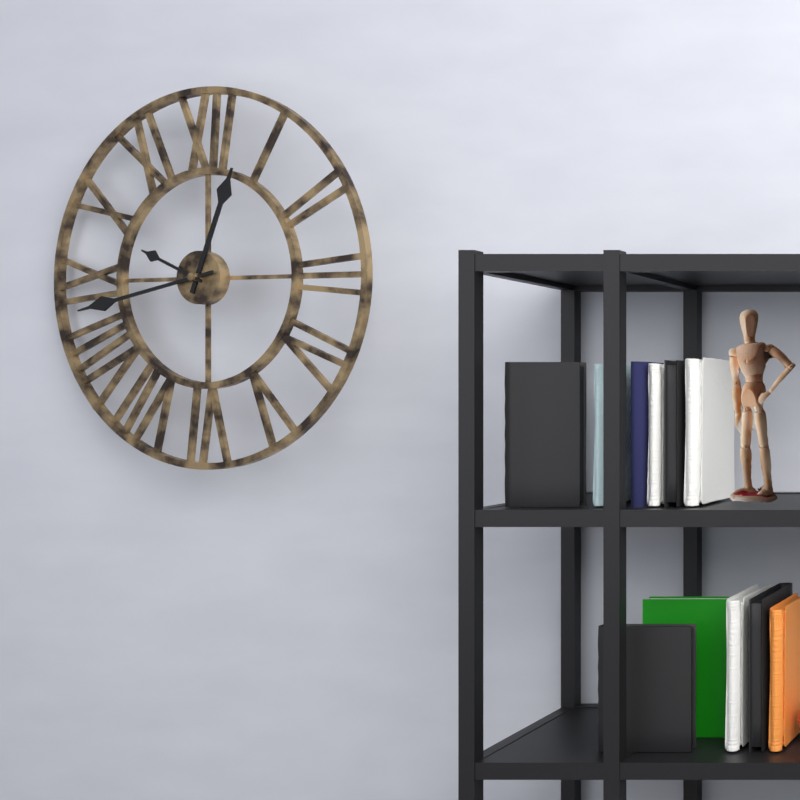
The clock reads 12h43m49s
